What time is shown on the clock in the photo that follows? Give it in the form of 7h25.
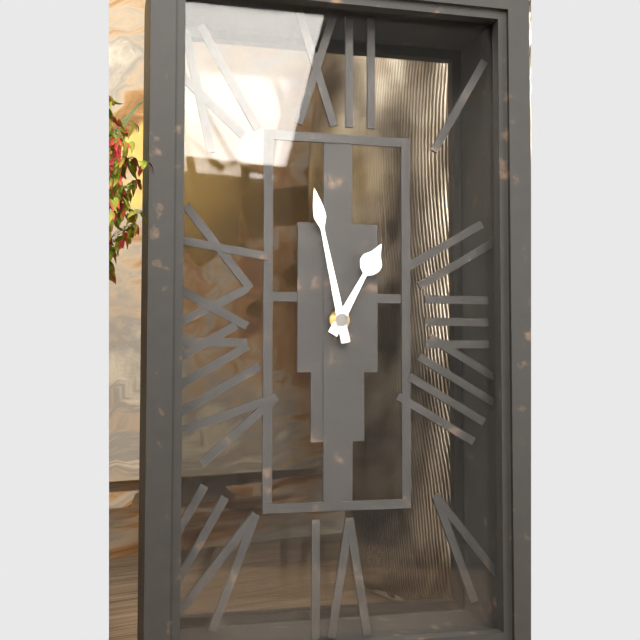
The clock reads 12h58
